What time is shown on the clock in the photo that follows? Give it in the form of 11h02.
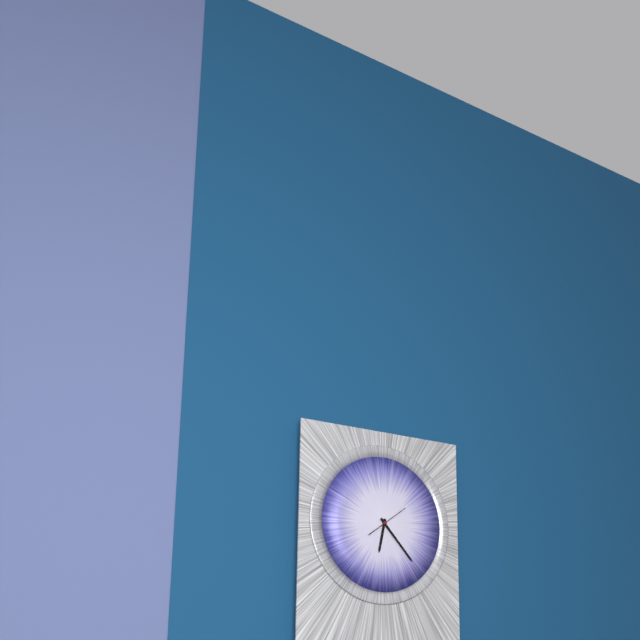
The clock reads 6h23
